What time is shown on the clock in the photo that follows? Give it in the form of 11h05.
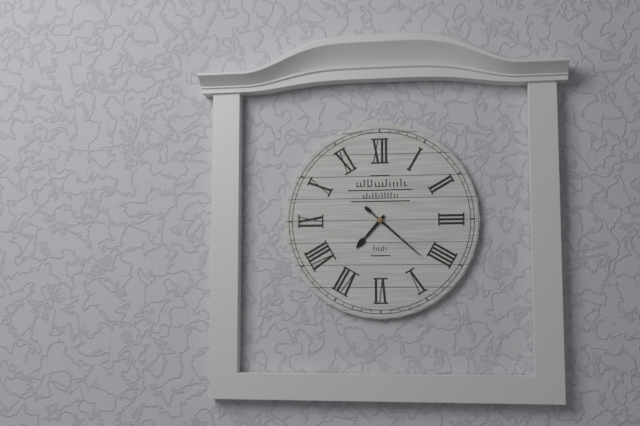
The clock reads 7h22
